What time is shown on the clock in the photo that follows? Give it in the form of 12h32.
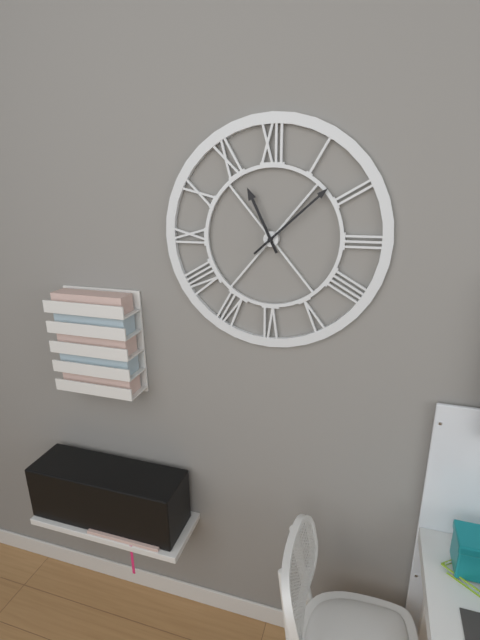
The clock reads 11h08
